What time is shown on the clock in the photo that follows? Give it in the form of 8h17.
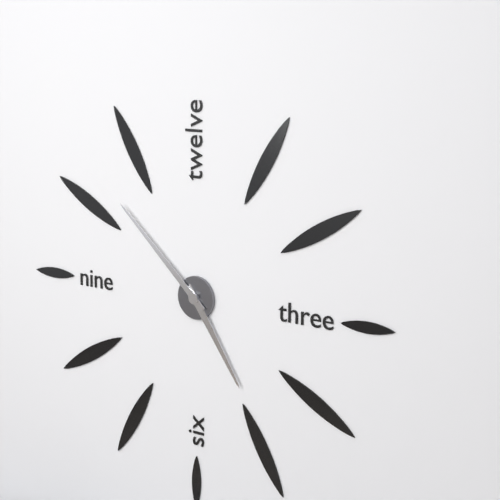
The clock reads 4h52
